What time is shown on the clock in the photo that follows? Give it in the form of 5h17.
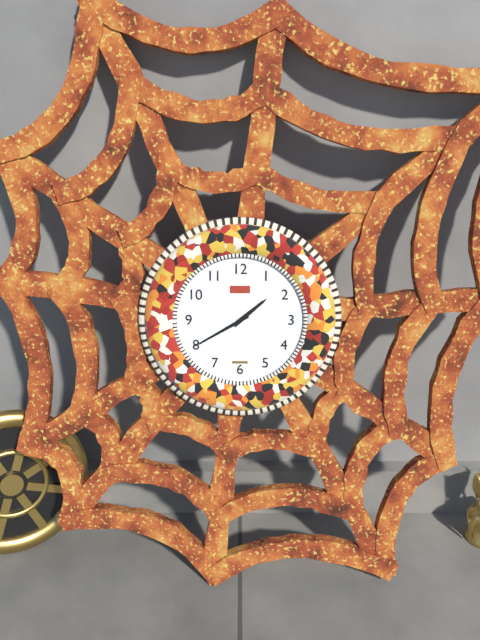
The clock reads 1h40
